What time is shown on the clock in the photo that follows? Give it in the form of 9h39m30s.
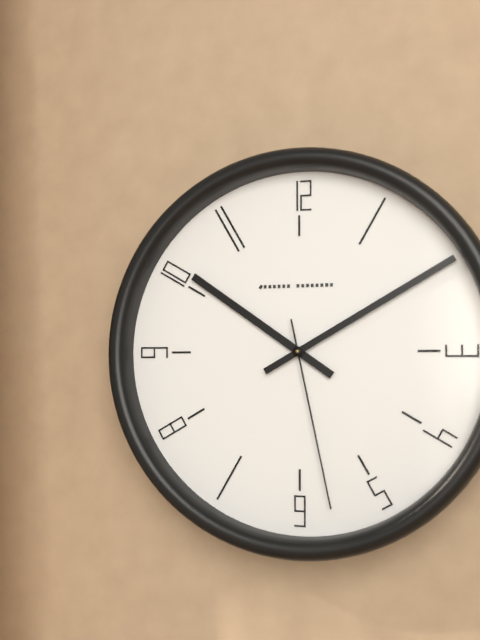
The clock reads 10h10m28s
